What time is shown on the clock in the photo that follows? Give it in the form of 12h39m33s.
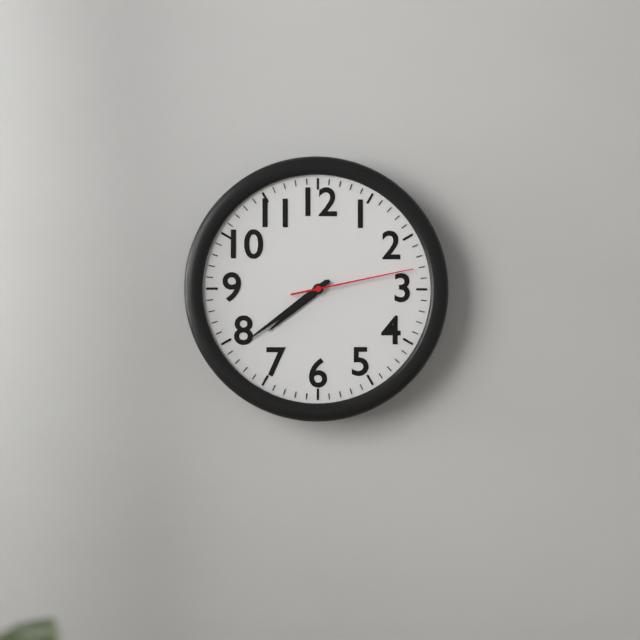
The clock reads 7h39m13s
